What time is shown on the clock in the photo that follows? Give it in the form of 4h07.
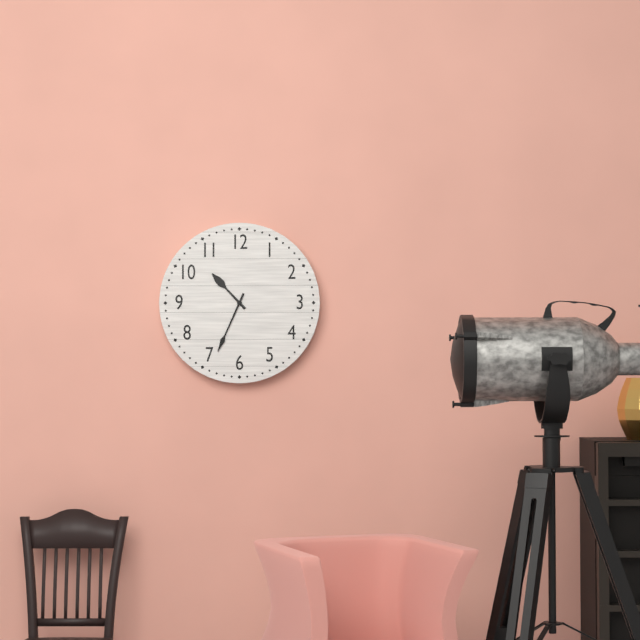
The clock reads 10h34
